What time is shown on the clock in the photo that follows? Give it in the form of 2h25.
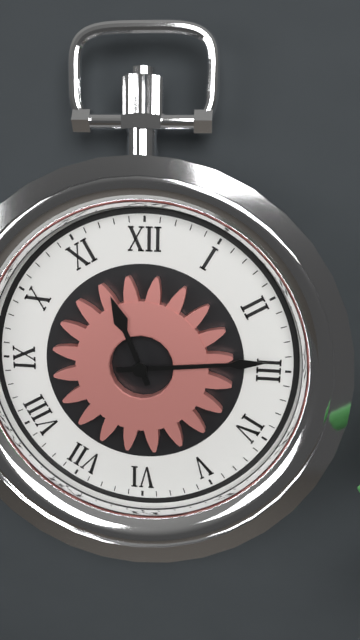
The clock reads 11h14
